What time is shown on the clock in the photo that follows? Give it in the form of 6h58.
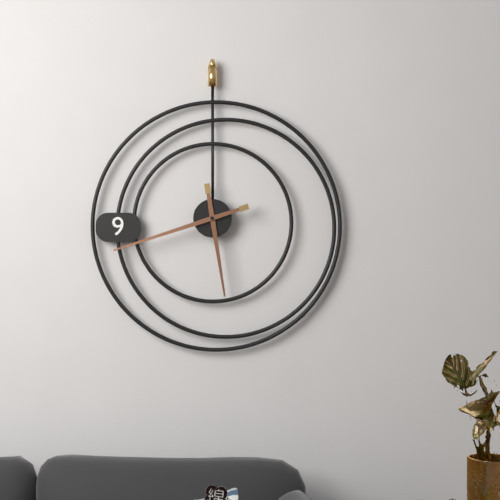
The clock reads 5h42
